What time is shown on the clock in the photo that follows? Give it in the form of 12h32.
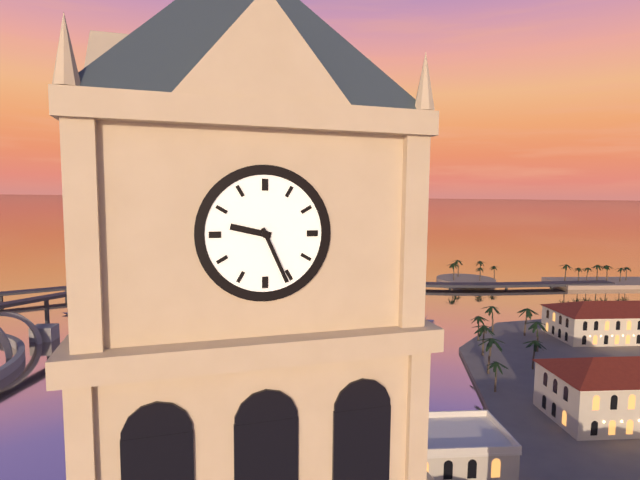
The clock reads 9h26
